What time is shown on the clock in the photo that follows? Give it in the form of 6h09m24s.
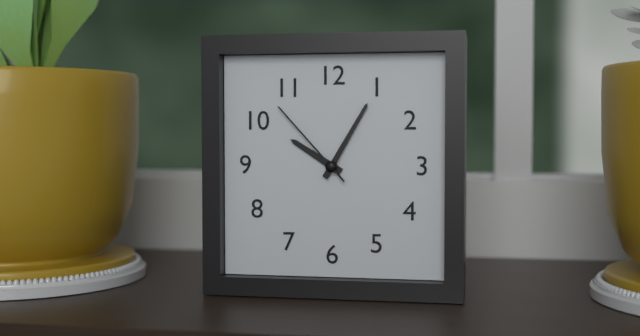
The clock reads 10h05m53s
